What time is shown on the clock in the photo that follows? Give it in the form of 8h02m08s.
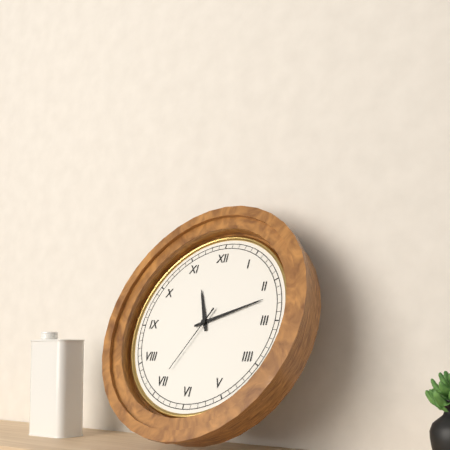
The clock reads 11h12m35s
